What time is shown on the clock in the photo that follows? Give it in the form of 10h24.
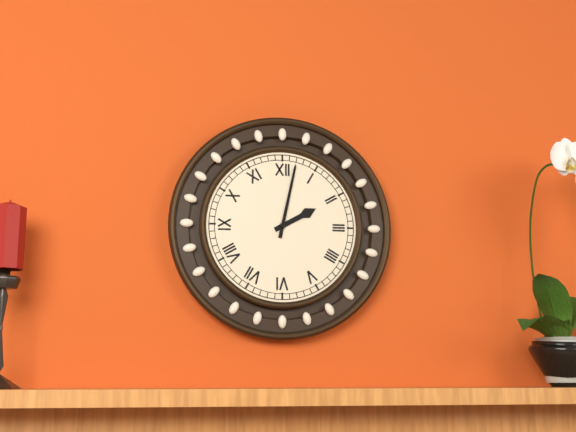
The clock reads 2h02
